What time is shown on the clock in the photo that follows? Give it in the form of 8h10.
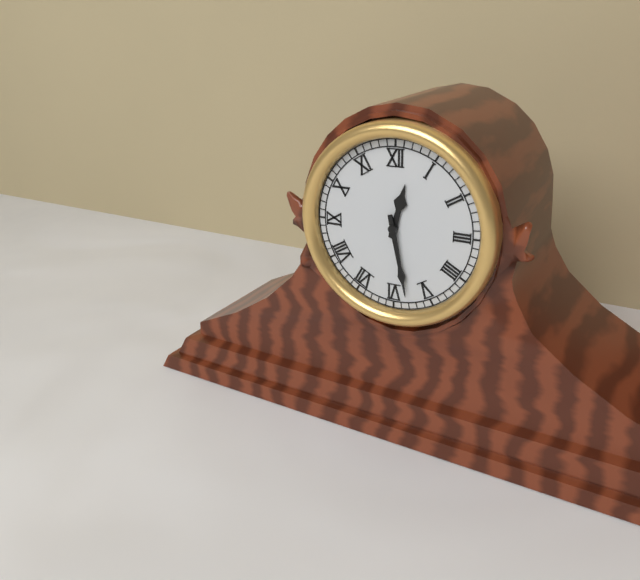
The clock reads 12h28
